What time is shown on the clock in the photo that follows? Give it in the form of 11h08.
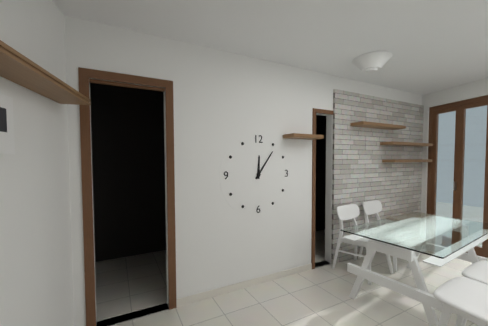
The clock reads 12h06
